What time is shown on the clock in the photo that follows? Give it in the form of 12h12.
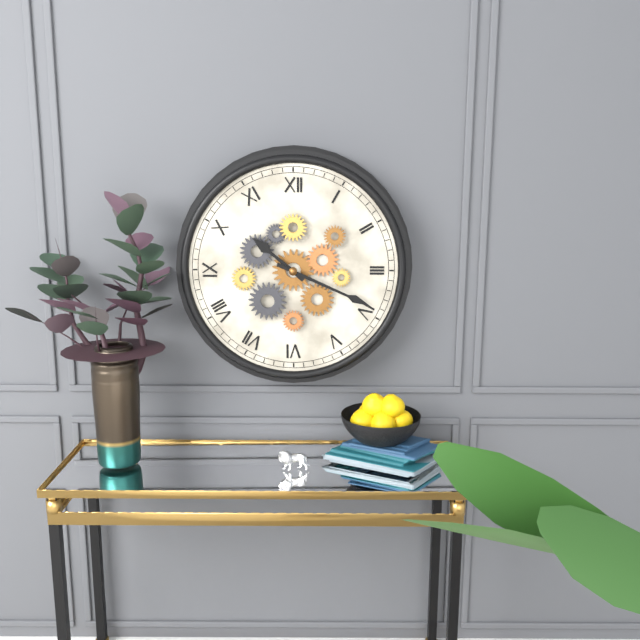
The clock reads 10h19
